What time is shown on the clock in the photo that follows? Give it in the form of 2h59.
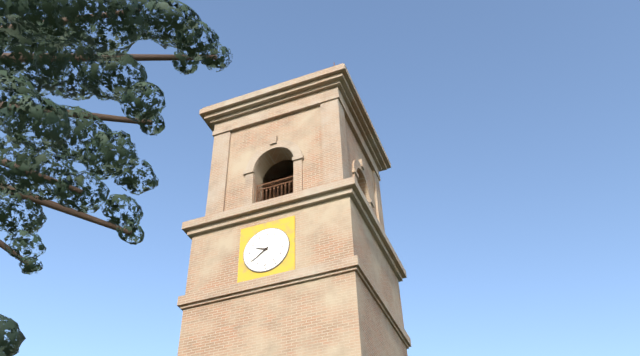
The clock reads 9h39
